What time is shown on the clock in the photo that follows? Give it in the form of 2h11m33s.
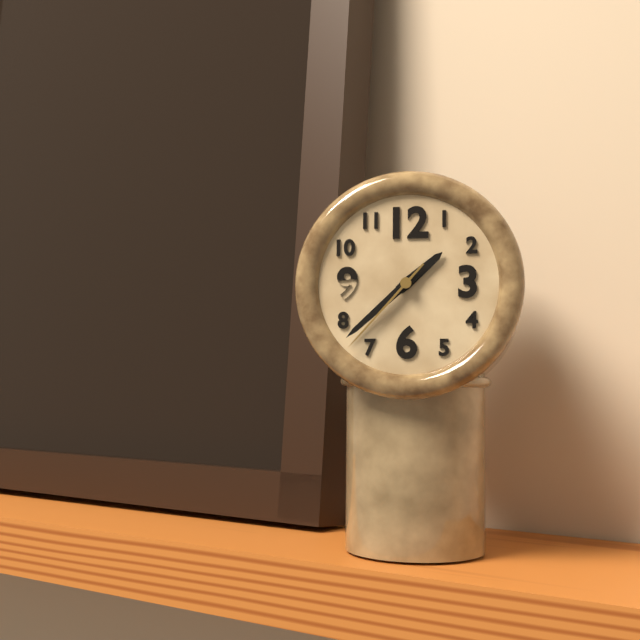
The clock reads 1h38m37s
